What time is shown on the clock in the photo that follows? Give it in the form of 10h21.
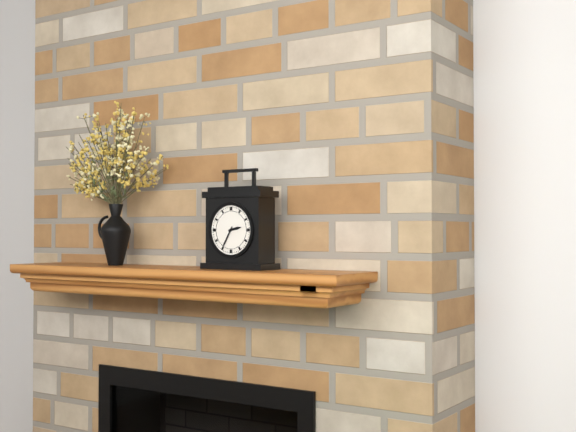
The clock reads 2h35
